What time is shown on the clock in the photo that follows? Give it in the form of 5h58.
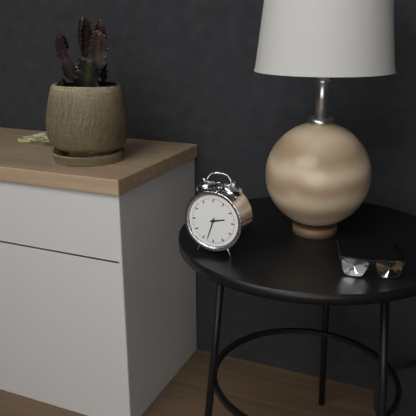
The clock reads 2h33
